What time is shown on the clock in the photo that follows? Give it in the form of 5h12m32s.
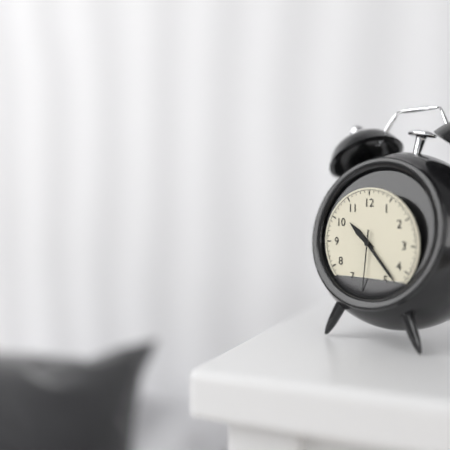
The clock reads 10h23m31s
